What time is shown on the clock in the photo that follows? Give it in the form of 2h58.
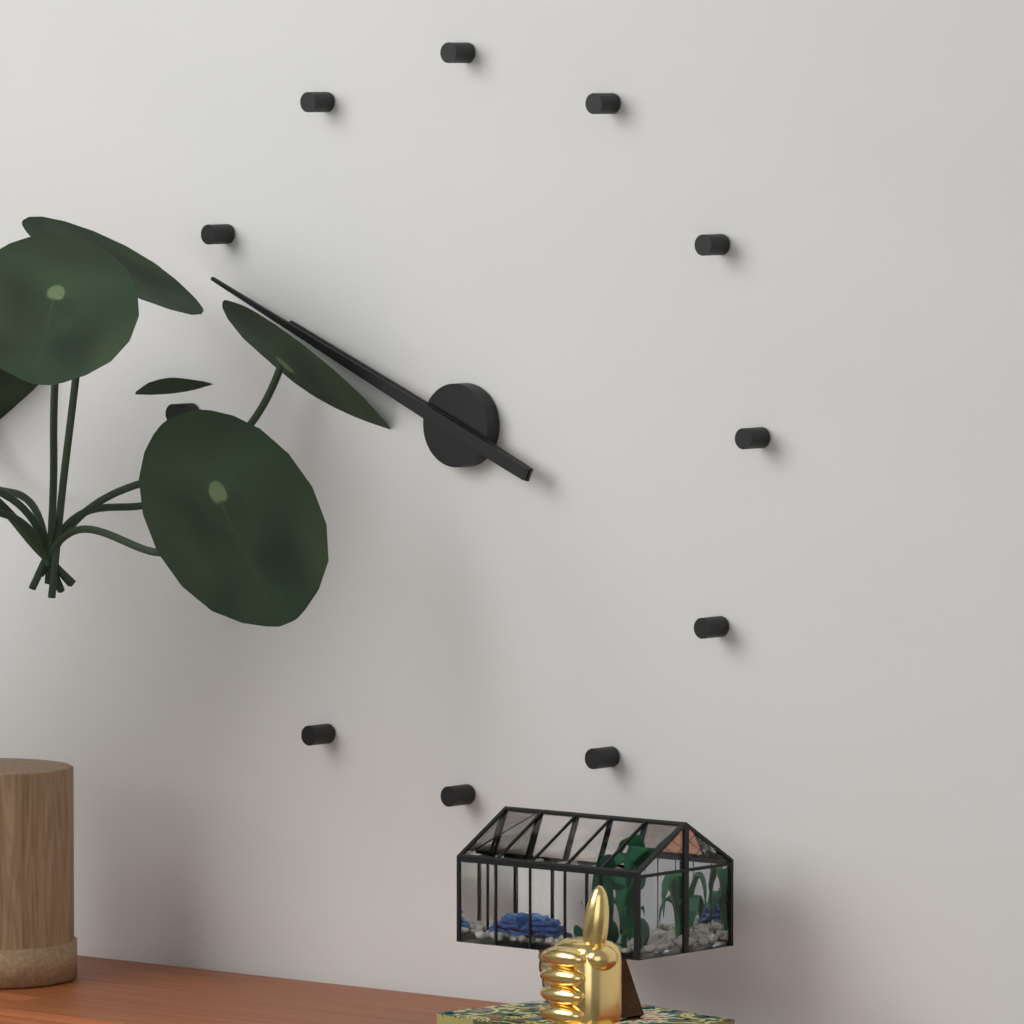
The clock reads 9h49
